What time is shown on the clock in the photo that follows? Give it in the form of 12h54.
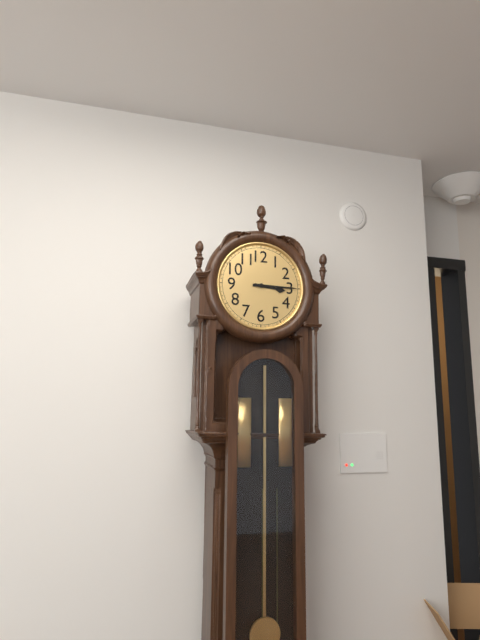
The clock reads 3h15
